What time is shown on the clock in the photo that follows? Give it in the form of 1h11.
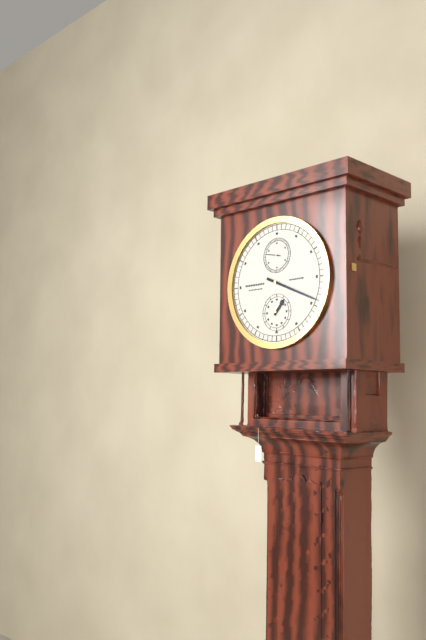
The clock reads 1h19
